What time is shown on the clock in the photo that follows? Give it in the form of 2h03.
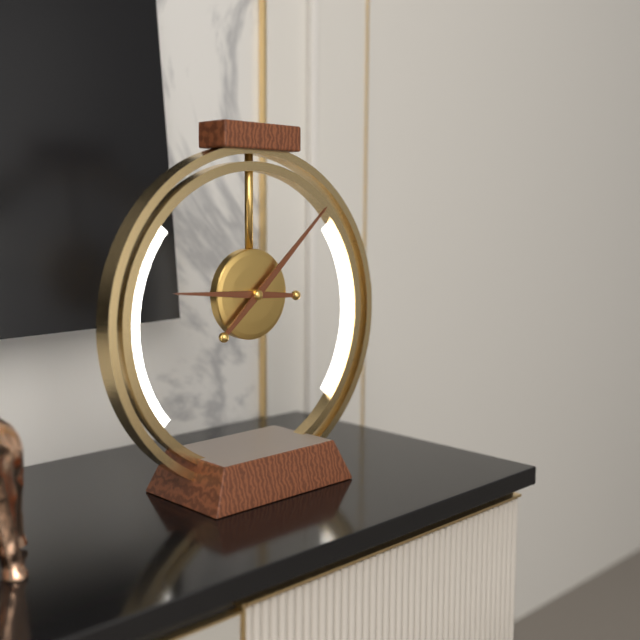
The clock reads 9h08
